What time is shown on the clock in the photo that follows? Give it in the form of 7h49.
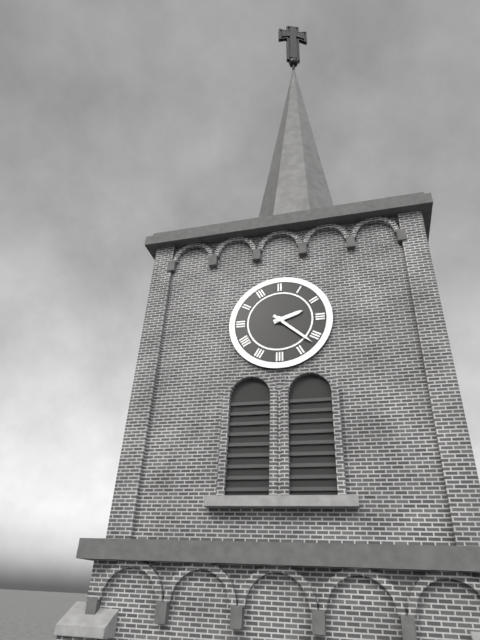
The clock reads 2h22
